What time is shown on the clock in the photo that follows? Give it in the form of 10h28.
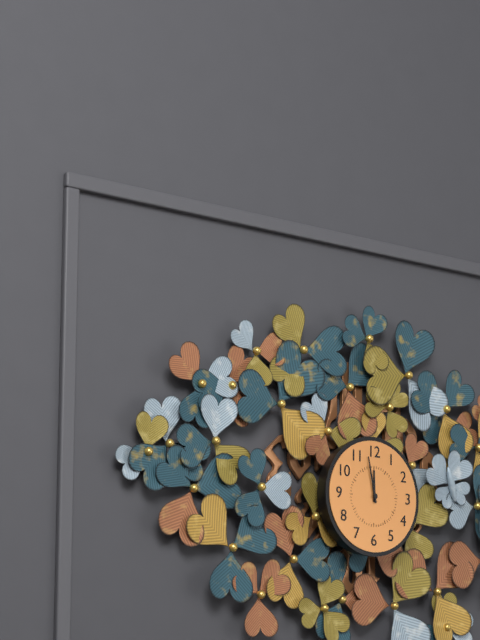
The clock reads 11h58
